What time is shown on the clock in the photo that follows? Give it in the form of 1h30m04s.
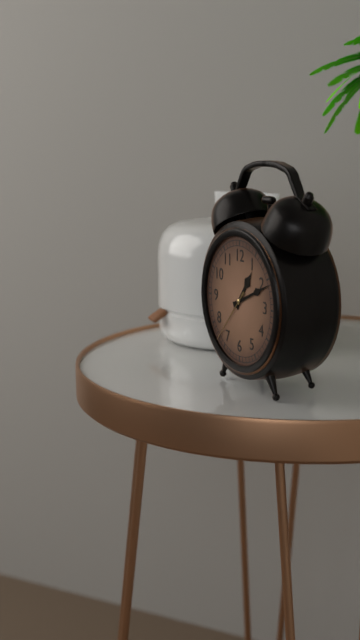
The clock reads 1h11m37s
